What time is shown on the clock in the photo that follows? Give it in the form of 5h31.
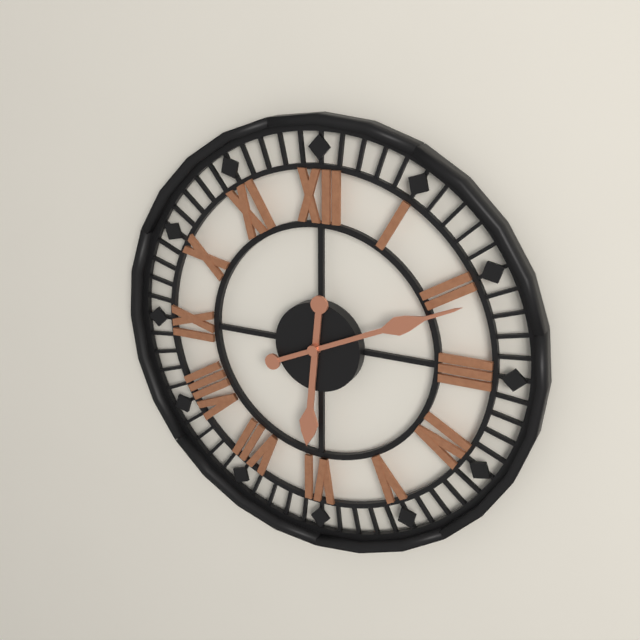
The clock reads 6h11
